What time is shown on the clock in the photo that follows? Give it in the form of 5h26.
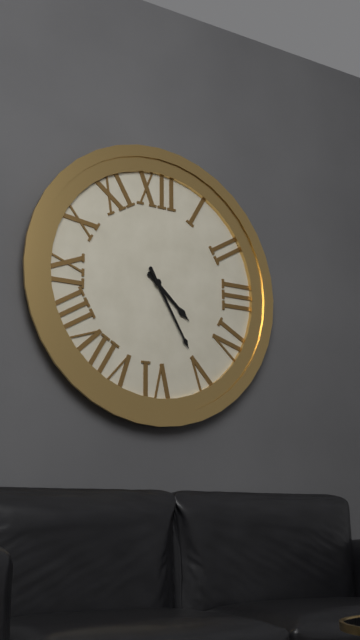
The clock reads 4h25
